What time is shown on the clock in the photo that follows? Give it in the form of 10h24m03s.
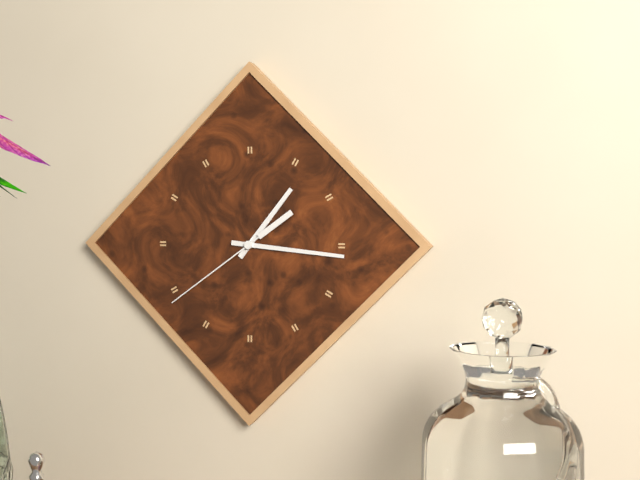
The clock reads 1h16m39s
